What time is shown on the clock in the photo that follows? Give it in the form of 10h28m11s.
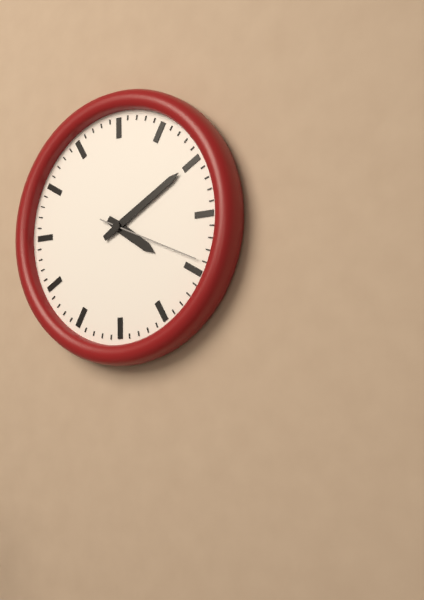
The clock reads 4h10m19s
